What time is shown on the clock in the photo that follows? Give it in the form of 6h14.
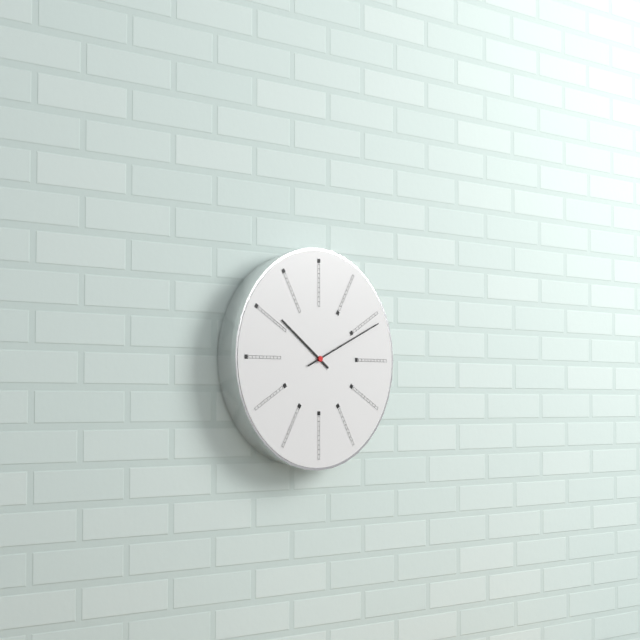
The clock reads 10h11
